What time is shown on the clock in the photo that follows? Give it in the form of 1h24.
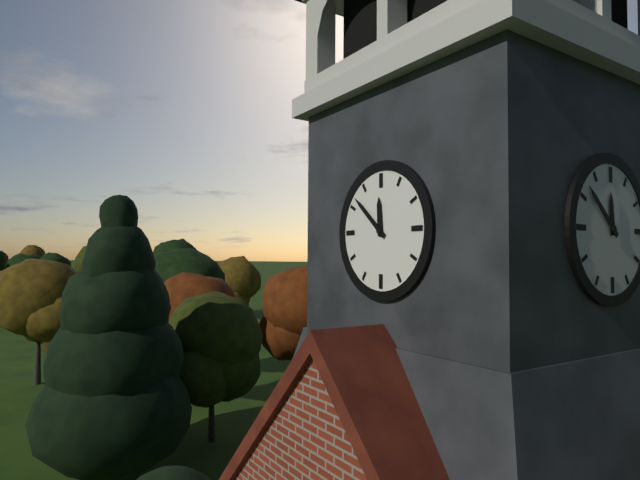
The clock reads 11h52
